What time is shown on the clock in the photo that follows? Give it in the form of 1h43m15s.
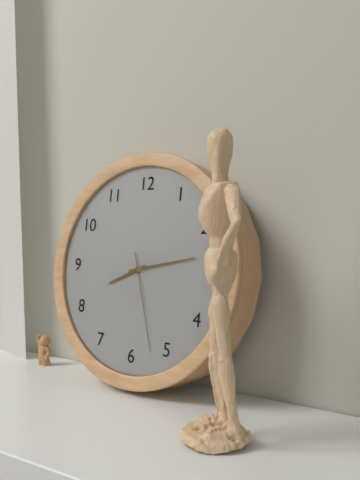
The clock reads 8h13m27s
